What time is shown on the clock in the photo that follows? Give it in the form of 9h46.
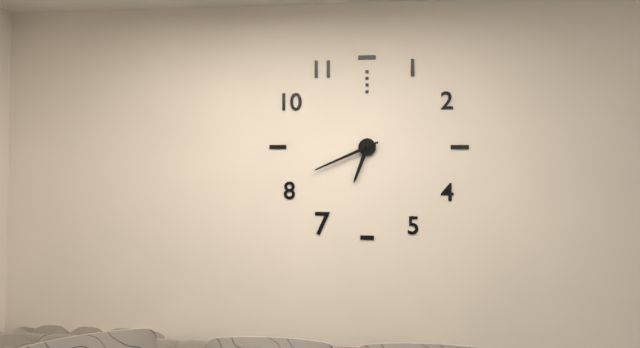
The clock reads 6h41
